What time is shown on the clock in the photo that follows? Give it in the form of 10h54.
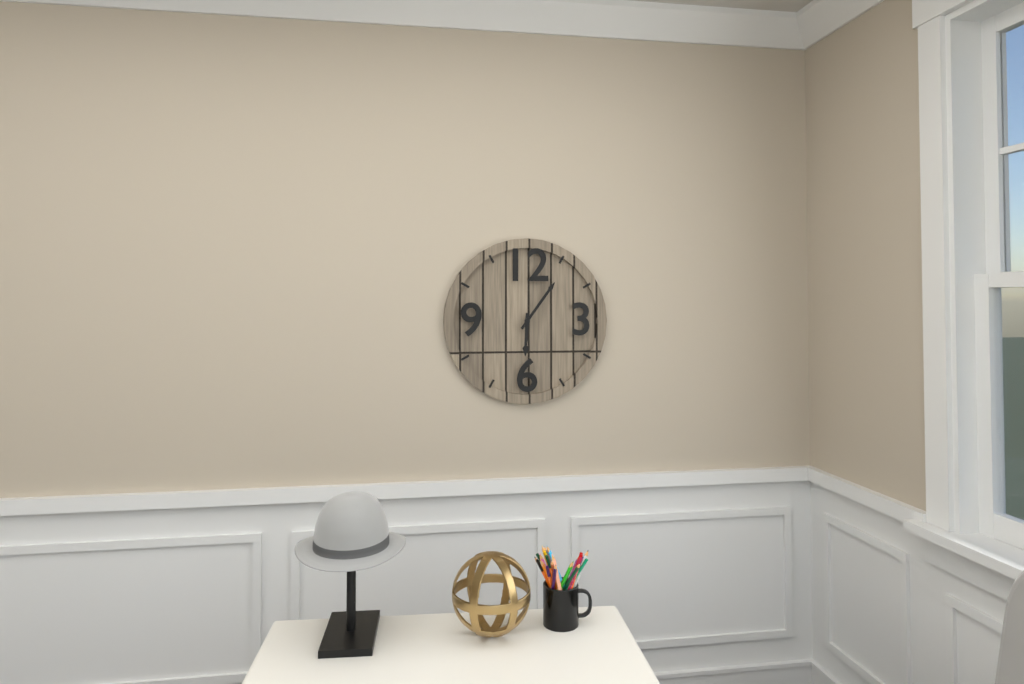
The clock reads 6h06
